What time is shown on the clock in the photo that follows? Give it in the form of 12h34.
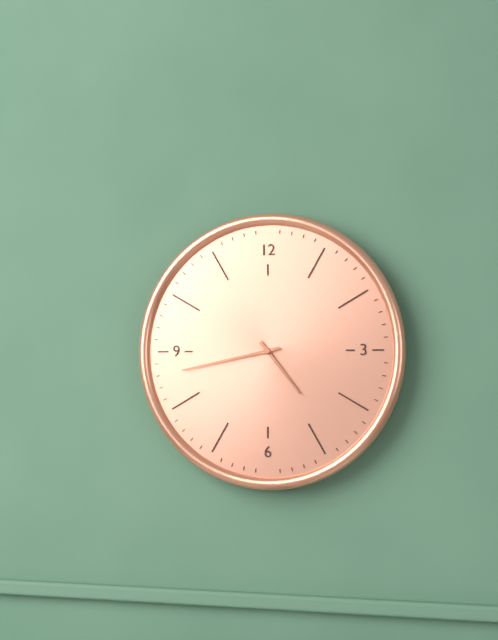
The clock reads 4h43
